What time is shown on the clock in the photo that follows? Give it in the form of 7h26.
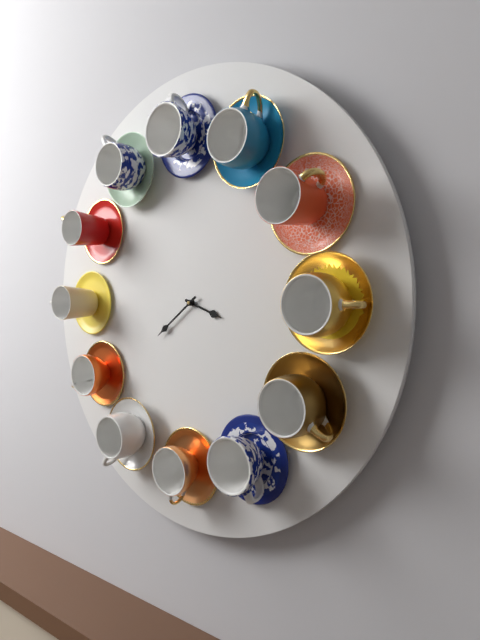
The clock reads 3h39
